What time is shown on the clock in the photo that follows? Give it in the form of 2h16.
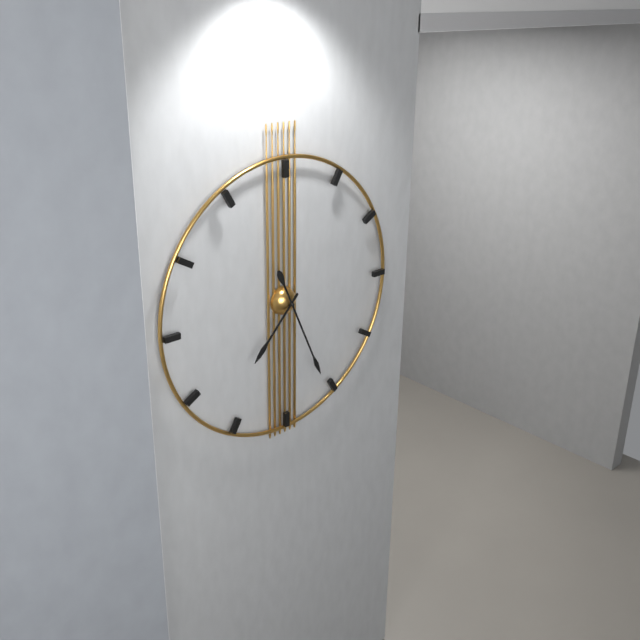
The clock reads 7h26
